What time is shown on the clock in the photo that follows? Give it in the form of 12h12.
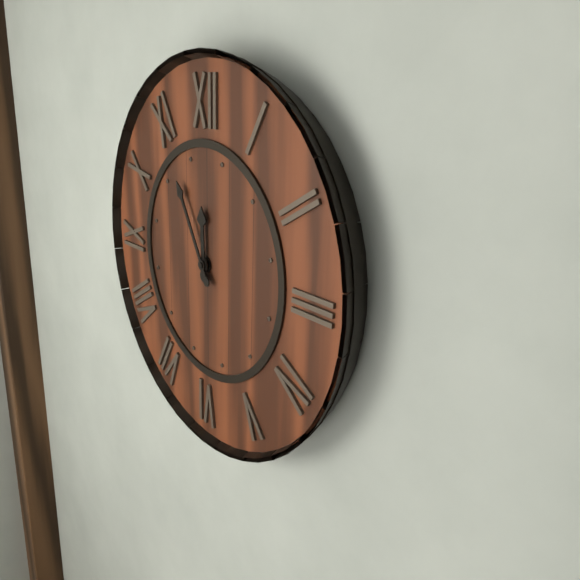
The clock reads 11h55
